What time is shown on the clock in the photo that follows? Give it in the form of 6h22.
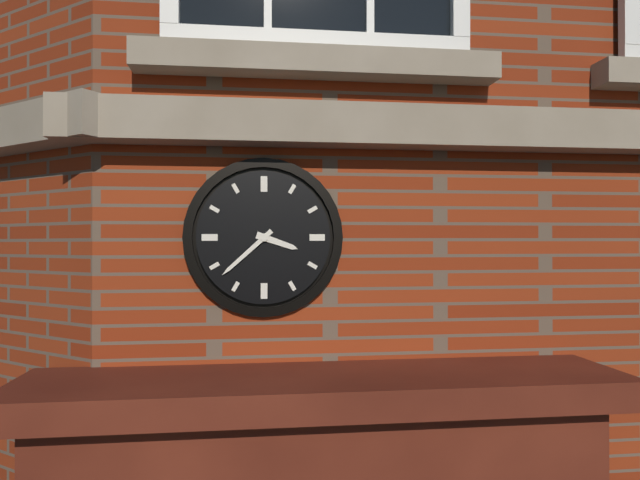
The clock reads 3h38
